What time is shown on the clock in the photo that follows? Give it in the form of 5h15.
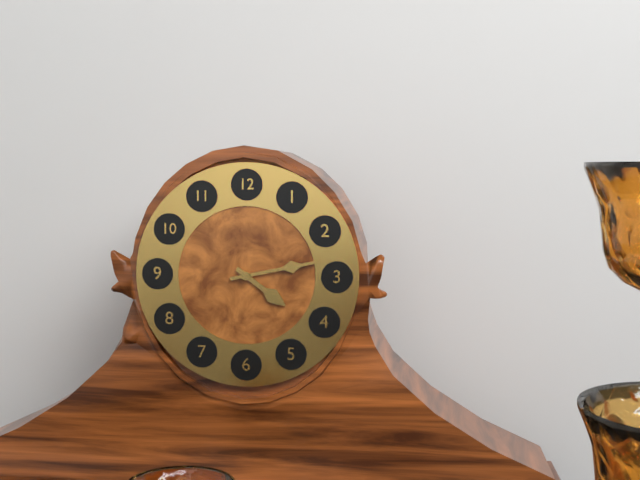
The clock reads 4h13
